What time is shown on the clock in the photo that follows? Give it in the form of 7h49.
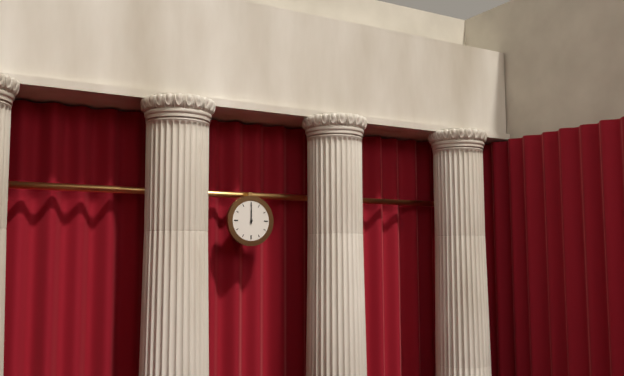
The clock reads 12h00
